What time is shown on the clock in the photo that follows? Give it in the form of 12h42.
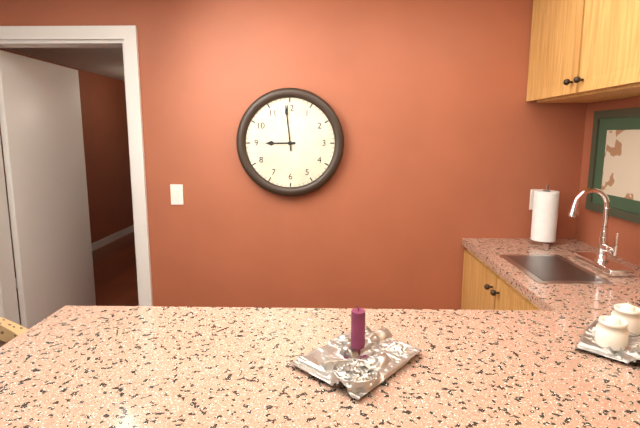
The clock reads 8h59
